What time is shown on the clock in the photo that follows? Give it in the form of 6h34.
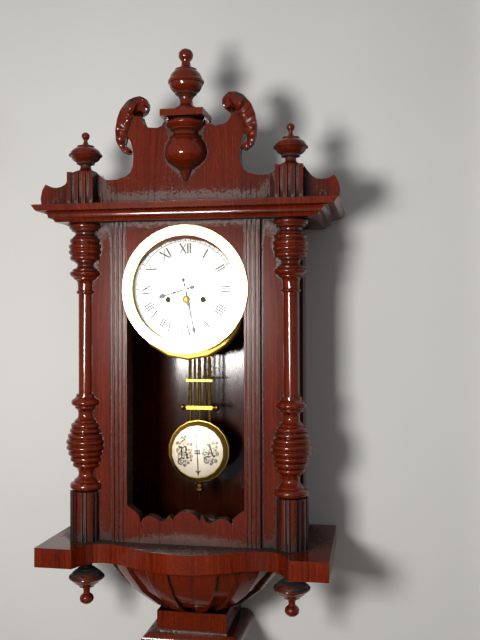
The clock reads 8h28
